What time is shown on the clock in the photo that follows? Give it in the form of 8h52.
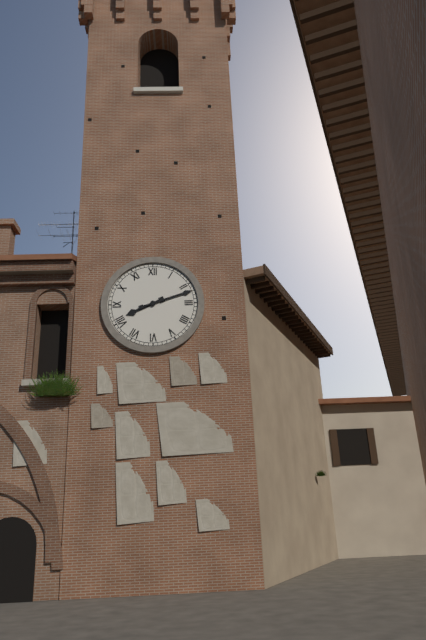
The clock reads 8h12
